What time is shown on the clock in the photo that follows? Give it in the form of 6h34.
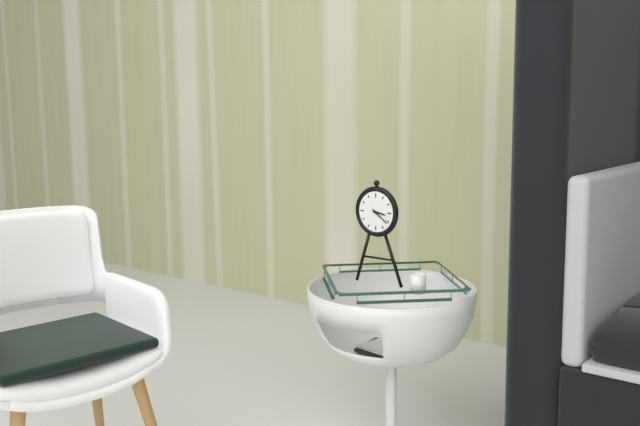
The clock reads 3h21
